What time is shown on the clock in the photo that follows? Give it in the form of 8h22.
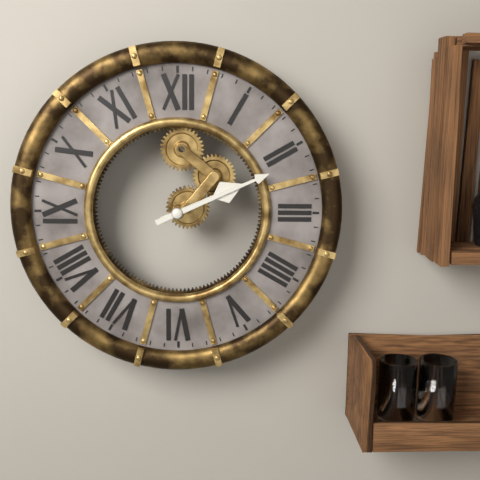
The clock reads 2h11
